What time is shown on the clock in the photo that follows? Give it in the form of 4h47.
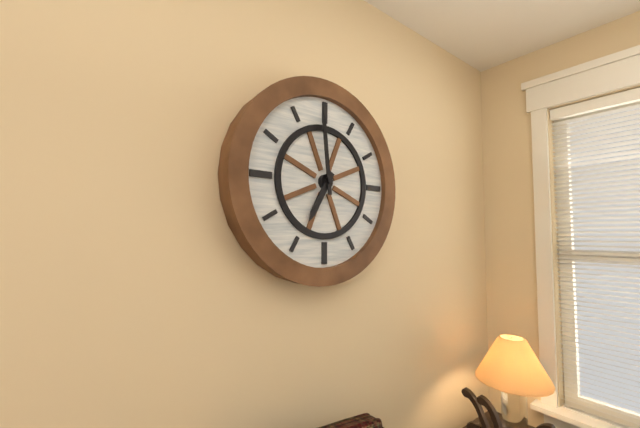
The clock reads 6h59
